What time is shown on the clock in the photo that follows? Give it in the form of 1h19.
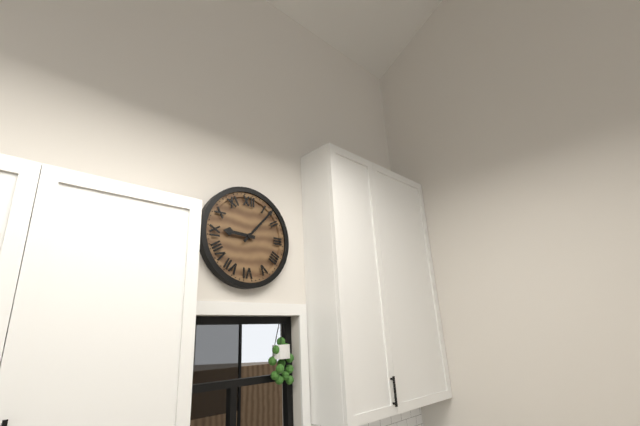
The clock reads 9h07
